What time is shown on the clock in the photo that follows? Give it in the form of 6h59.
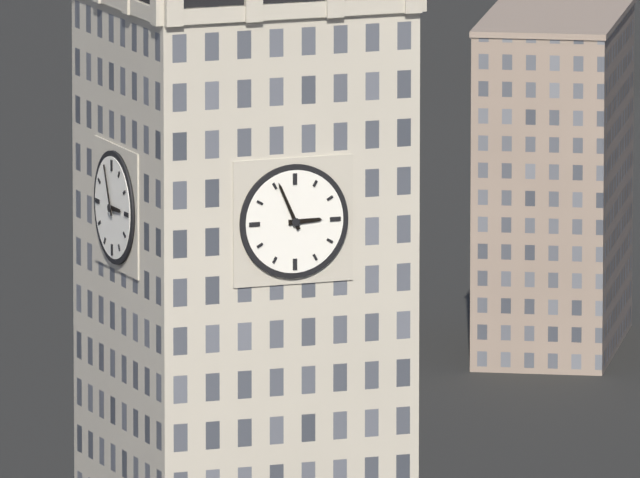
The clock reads 2h56
